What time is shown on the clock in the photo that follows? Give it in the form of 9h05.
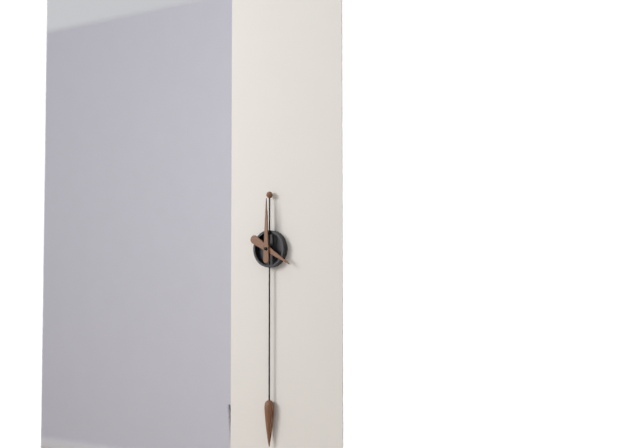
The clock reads 4h00
